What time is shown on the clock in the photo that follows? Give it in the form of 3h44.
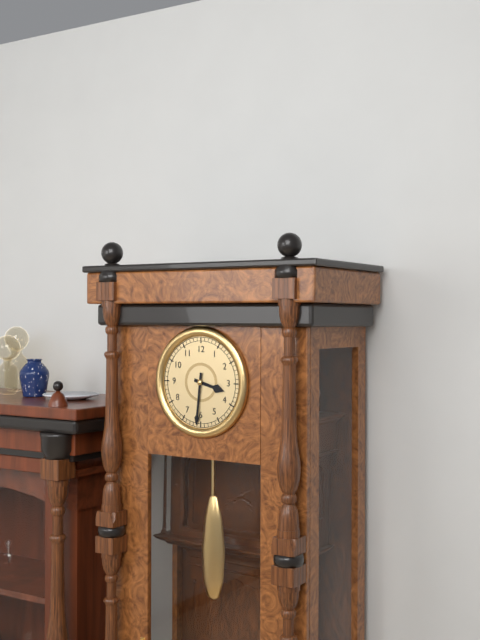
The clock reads 3h31
